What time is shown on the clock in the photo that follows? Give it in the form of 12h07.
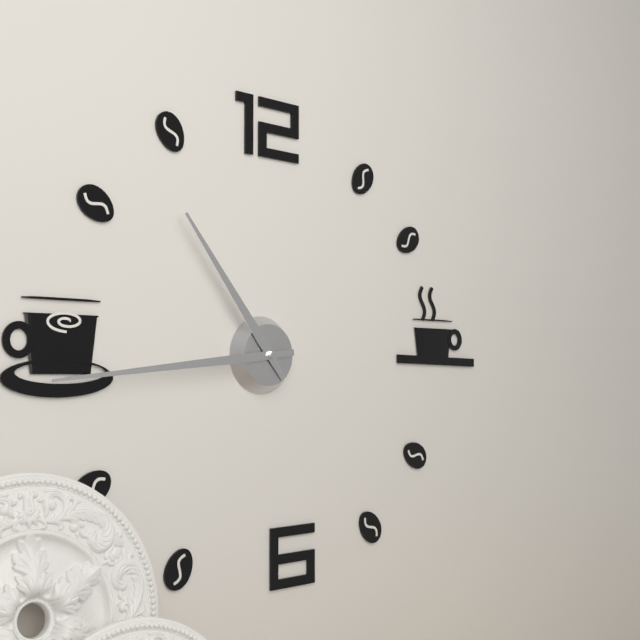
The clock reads 10h44
